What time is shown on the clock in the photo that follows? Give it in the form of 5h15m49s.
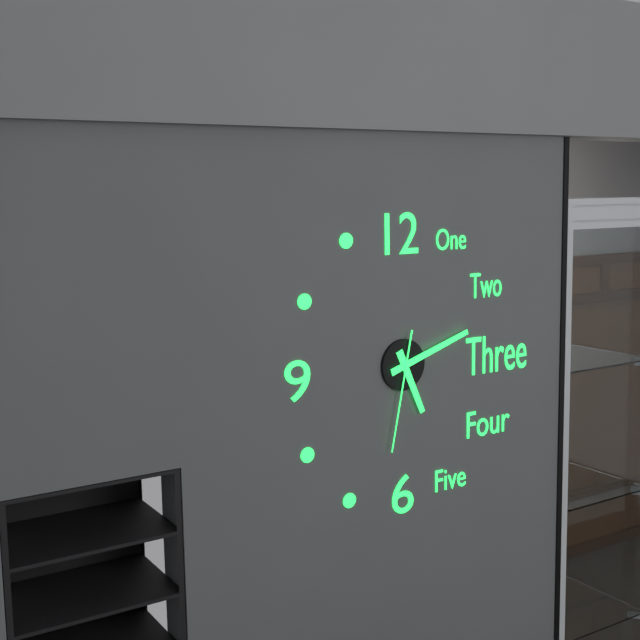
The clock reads 5h12m32s
